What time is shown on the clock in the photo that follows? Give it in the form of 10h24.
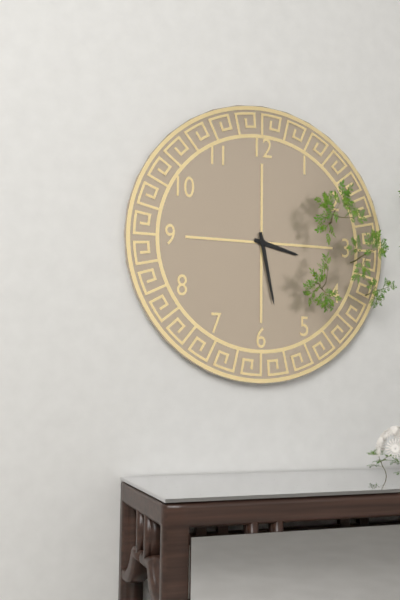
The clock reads 3h28
